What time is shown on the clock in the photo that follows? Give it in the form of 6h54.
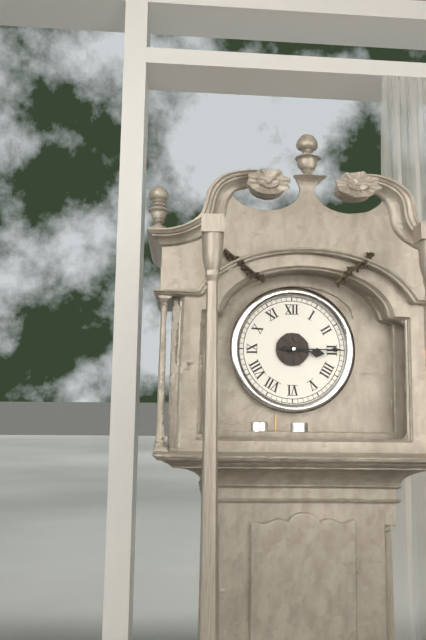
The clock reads 3h15
